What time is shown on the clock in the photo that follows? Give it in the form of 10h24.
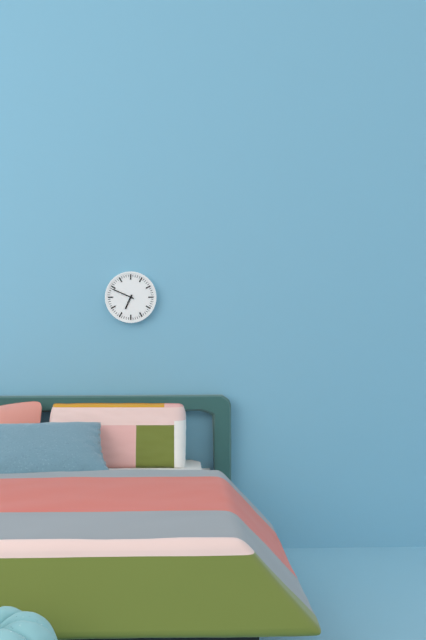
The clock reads 6h49
